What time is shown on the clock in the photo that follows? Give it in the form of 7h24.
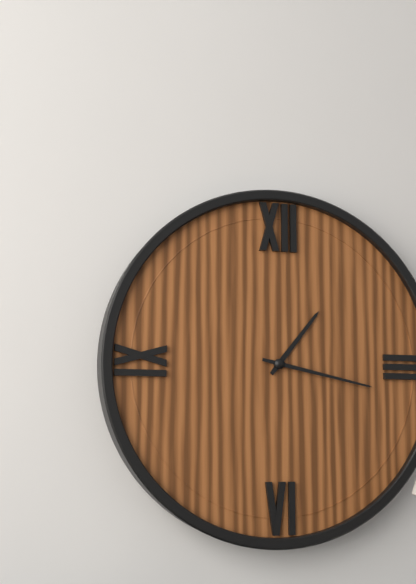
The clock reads 1h17
